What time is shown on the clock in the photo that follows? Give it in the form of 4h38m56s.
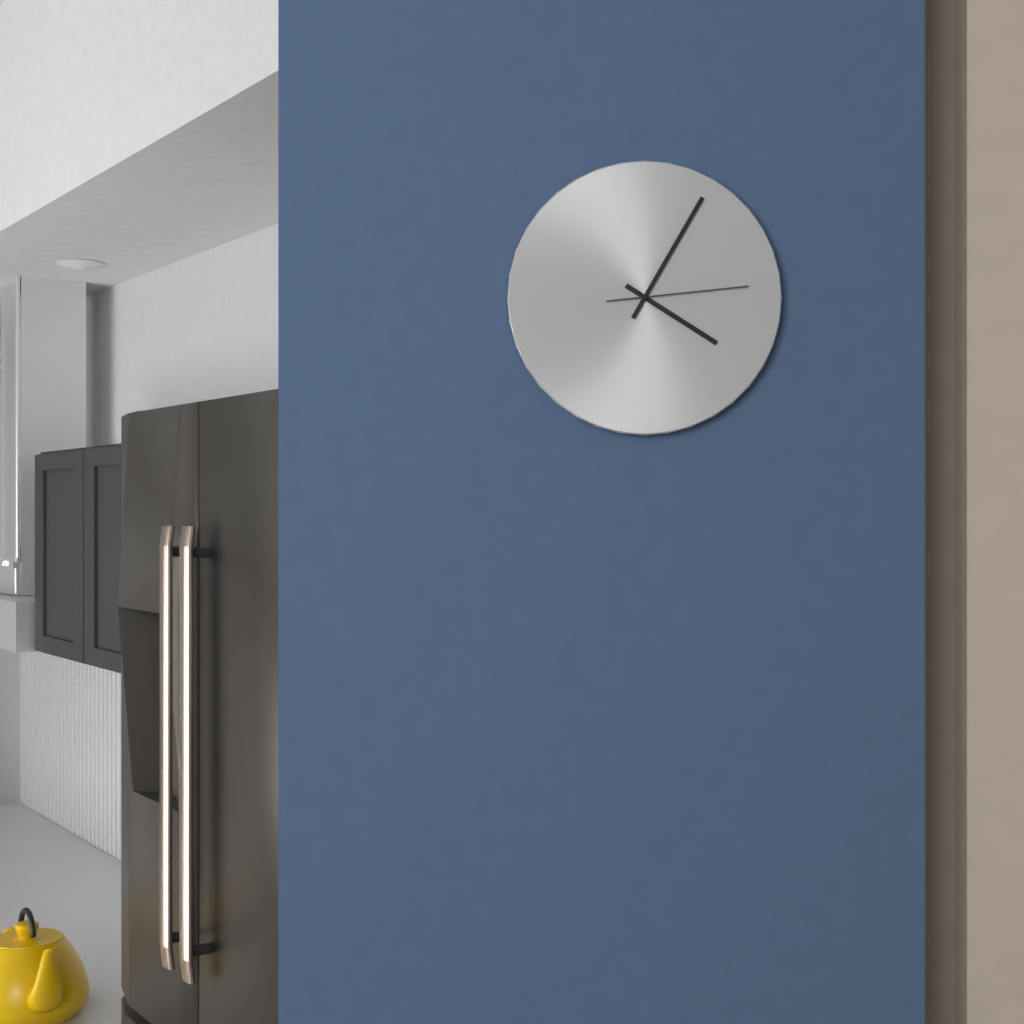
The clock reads 4h05m14s
